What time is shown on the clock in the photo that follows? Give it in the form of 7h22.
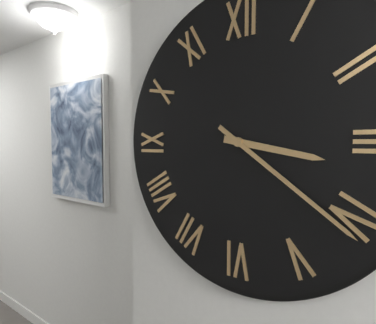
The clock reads 3h21
